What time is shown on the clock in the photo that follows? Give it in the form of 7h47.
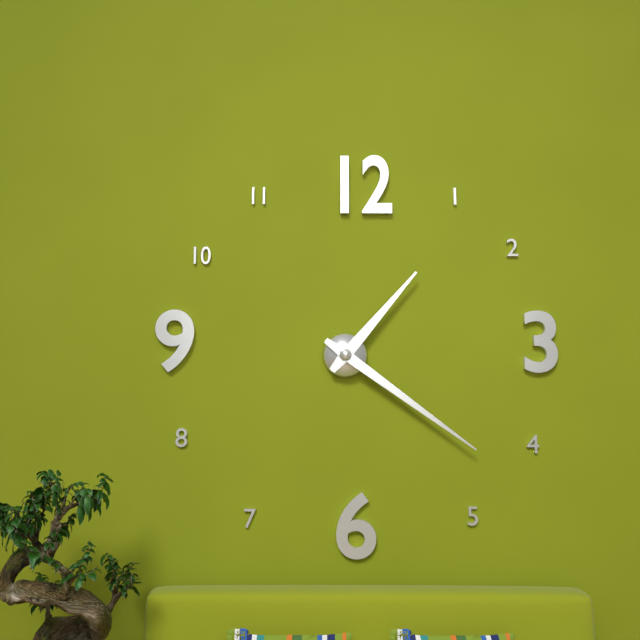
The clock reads 1h21
